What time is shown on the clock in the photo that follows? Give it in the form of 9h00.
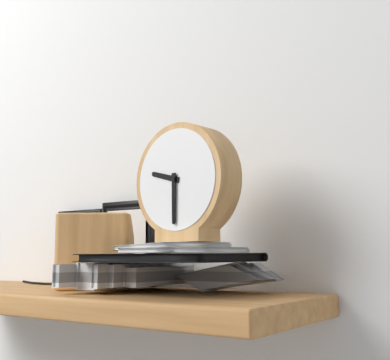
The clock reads 9h30
